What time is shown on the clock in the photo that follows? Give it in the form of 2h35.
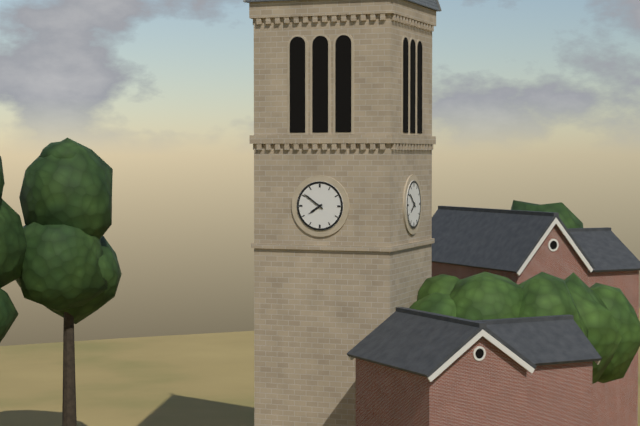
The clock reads 7h51
